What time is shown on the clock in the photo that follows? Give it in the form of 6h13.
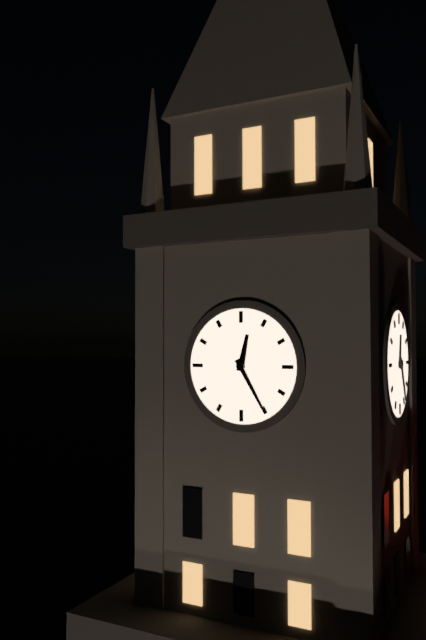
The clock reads 12h25
